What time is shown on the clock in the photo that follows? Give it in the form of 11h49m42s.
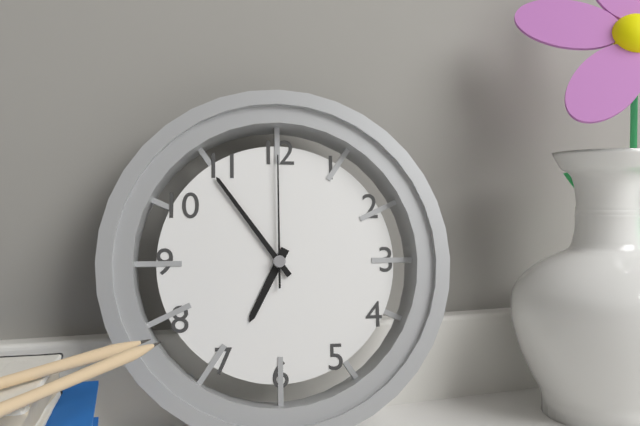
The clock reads 6h54m00s
